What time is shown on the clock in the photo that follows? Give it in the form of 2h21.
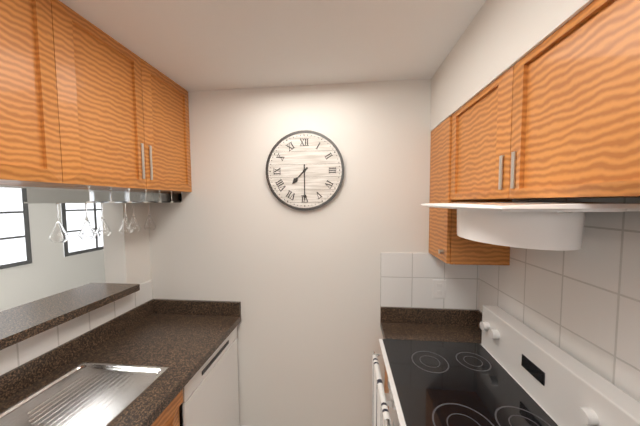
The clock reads 7h30
